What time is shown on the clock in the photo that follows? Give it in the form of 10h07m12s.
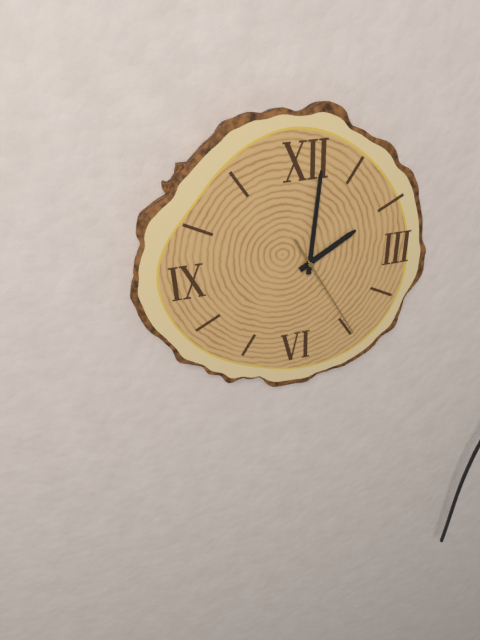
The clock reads 2h01m25s
